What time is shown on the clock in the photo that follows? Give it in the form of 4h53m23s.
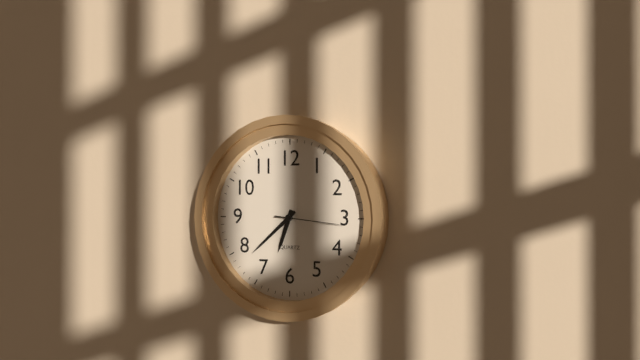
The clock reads 6h38m16s
